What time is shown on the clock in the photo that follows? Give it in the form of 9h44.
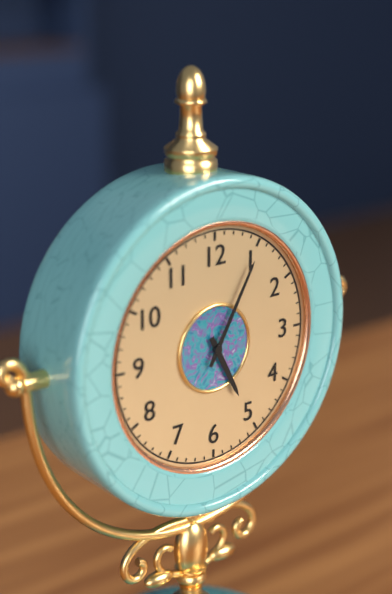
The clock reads 5h05
